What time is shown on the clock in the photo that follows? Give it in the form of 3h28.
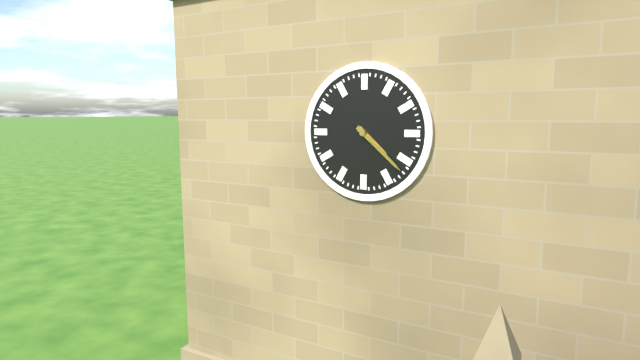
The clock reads 4h22
